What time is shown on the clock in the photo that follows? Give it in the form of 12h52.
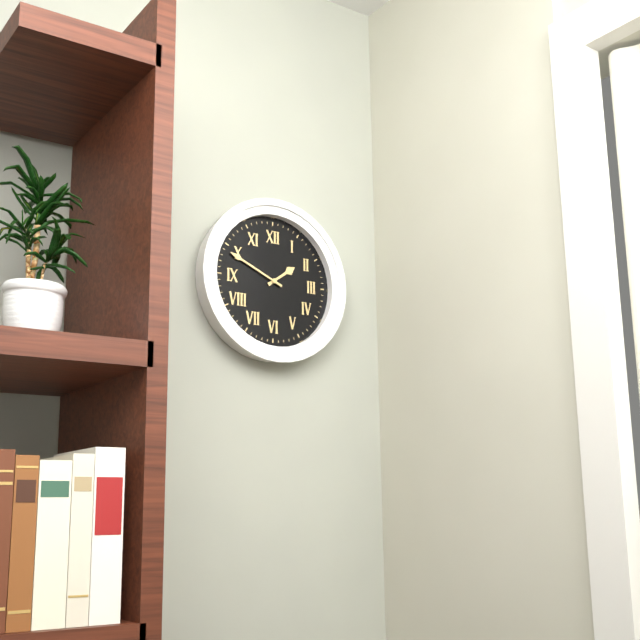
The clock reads 1h49
